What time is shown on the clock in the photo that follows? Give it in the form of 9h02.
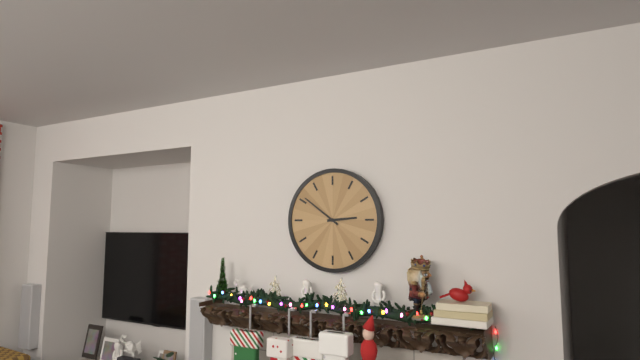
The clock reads 2h51
